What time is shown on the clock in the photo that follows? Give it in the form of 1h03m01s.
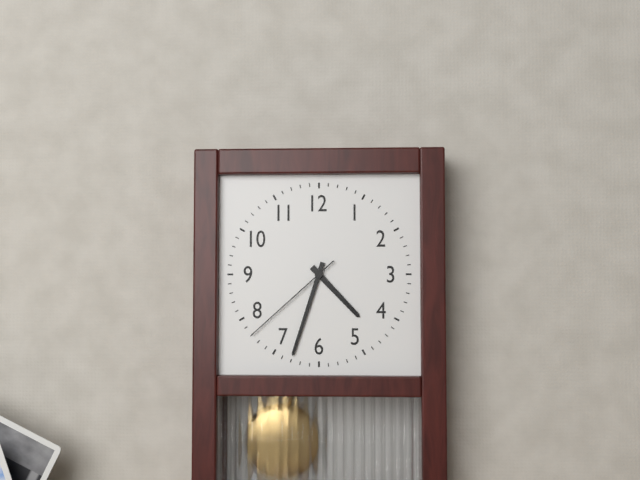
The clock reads 4h33m38s
